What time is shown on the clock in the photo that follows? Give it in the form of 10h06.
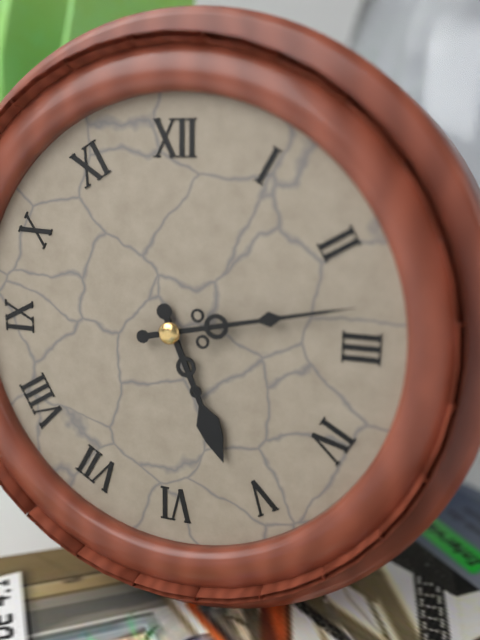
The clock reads 5h13
